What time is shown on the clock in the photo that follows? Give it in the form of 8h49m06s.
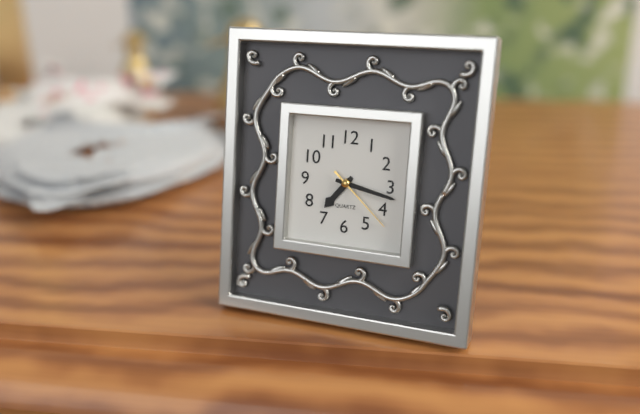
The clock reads 7h17m22s
